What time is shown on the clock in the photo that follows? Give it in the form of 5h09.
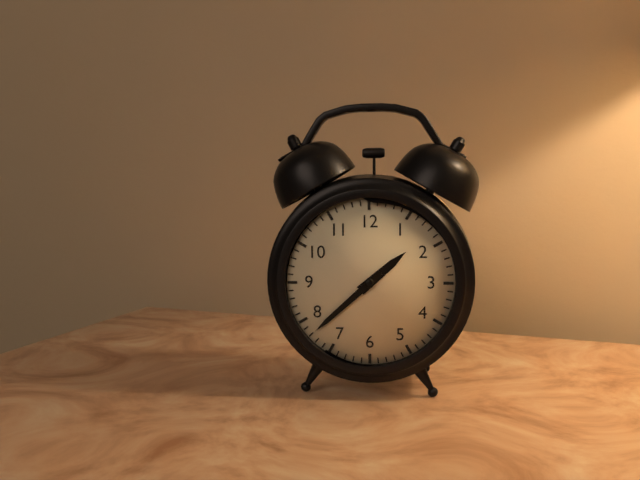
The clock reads 1h38
